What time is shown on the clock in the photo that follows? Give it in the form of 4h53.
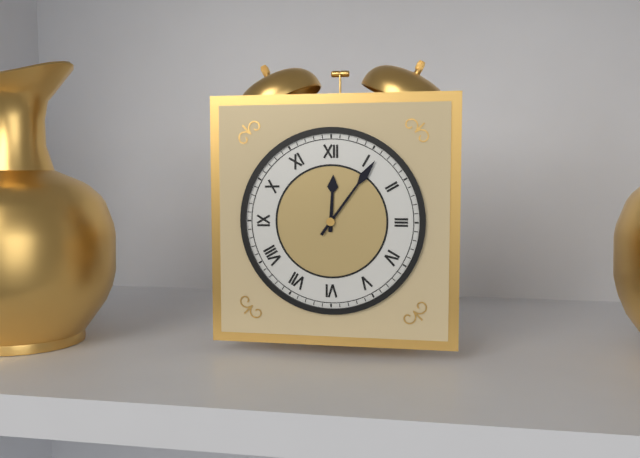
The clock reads 12h06
